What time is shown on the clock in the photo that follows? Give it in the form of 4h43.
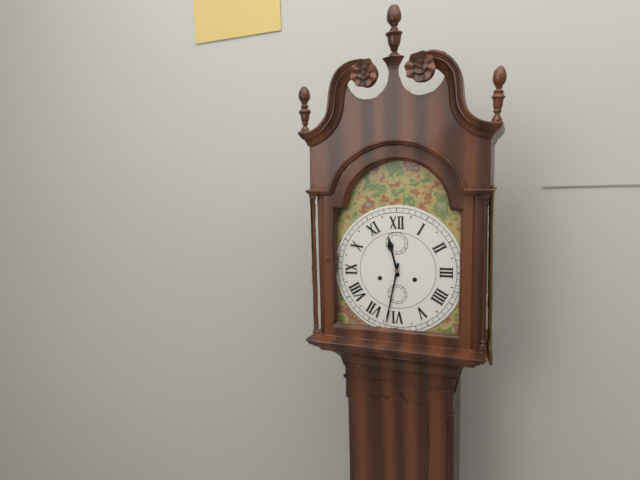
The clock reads 11h32
